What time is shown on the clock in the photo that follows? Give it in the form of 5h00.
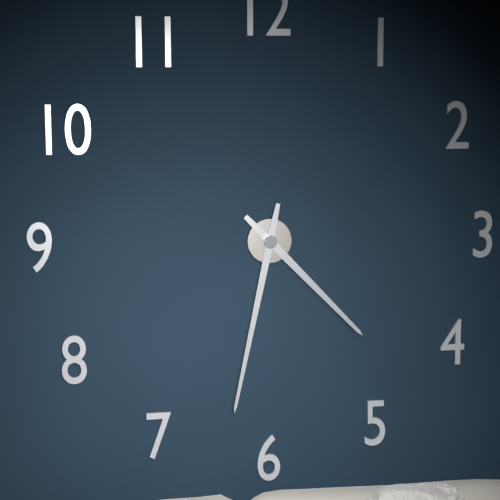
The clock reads 4h32
